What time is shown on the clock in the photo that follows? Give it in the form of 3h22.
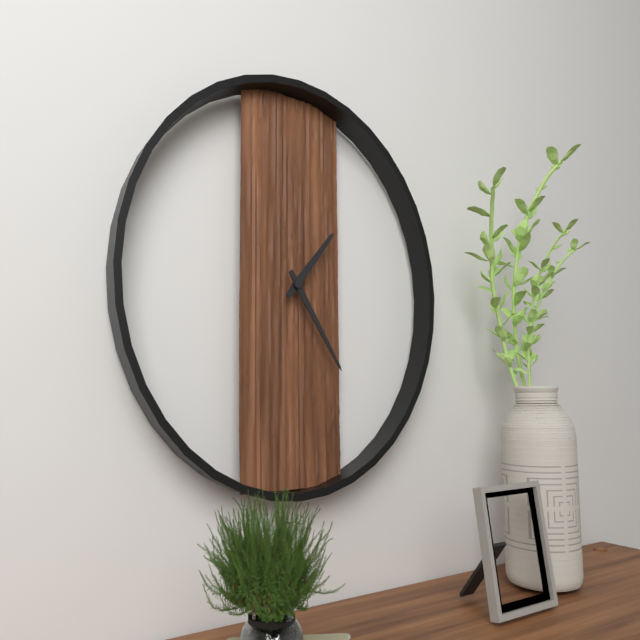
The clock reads 1h24
